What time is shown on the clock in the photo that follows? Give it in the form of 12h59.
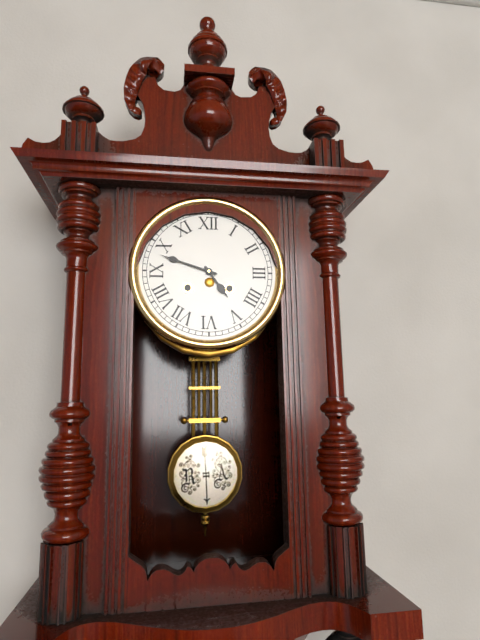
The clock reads 4h48
